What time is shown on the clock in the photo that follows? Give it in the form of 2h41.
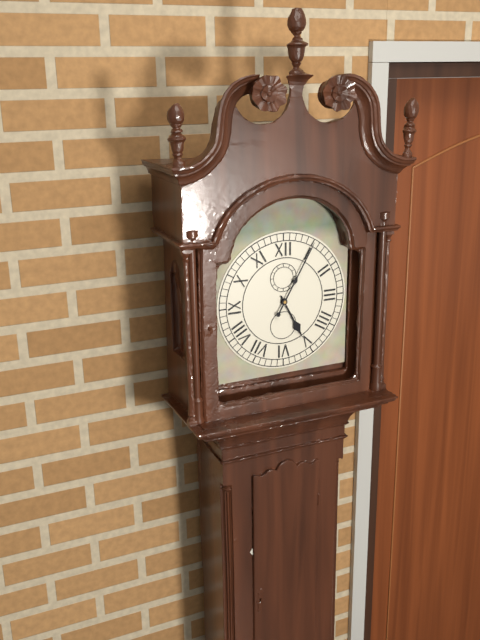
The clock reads 5h05
